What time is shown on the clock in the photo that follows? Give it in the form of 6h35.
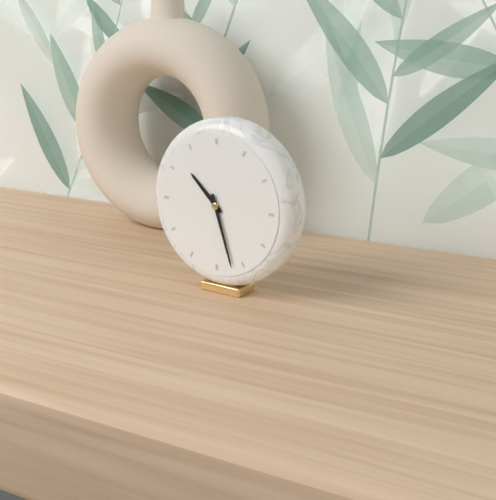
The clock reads 10h27
